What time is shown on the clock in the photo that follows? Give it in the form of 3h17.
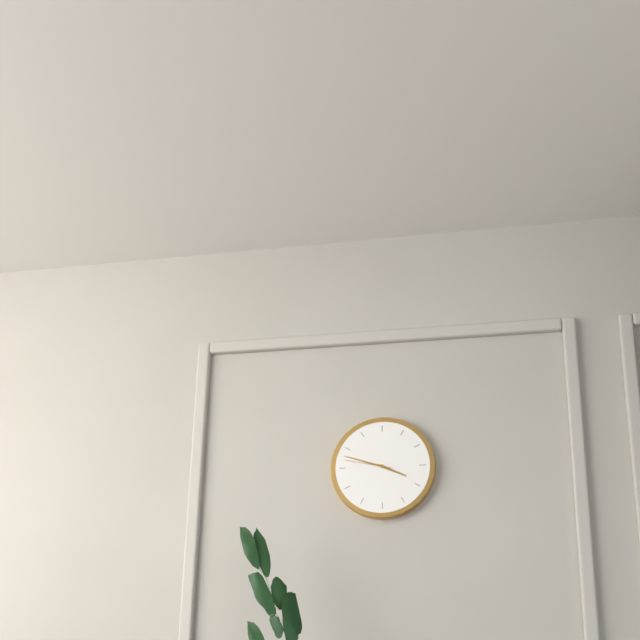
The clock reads 3h48
